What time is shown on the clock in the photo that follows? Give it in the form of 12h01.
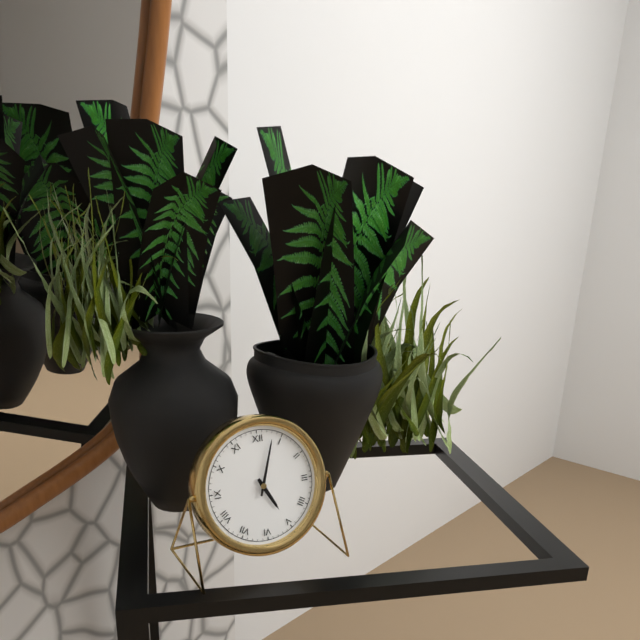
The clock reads 5h03
